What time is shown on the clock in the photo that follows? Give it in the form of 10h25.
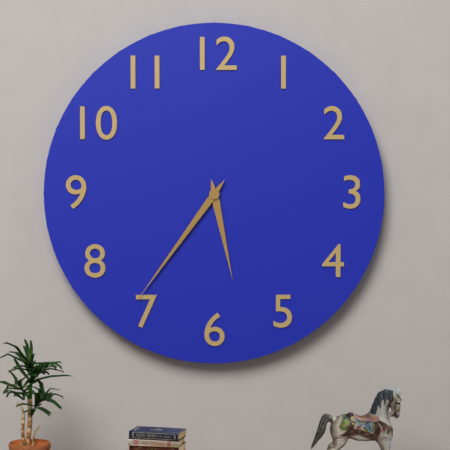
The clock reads 5h36
